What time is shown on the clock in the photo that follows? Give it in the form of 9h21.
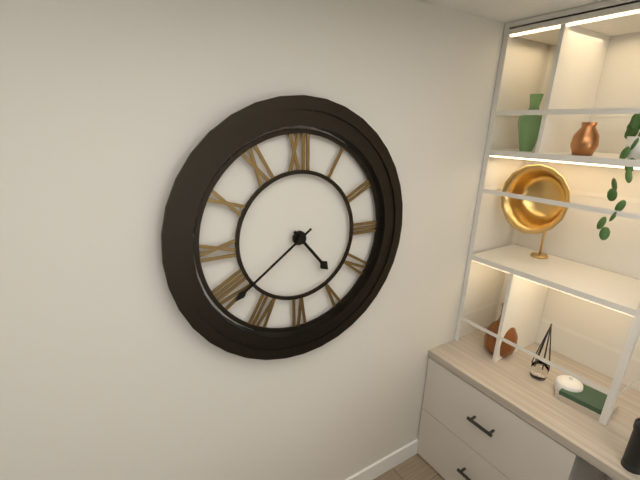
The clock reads 4h39
